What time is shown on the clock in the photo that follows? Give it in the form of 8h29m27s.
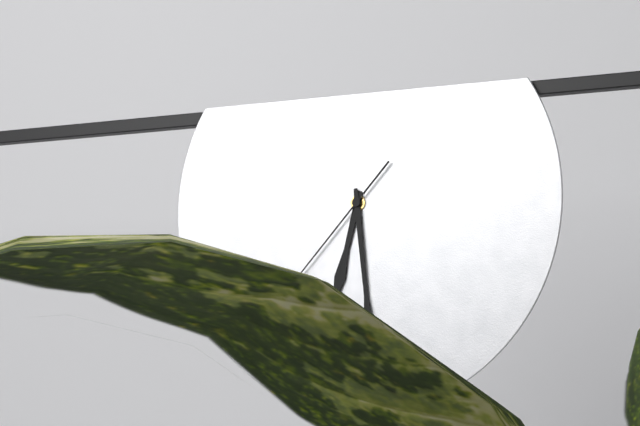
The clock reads 6h29m37s
